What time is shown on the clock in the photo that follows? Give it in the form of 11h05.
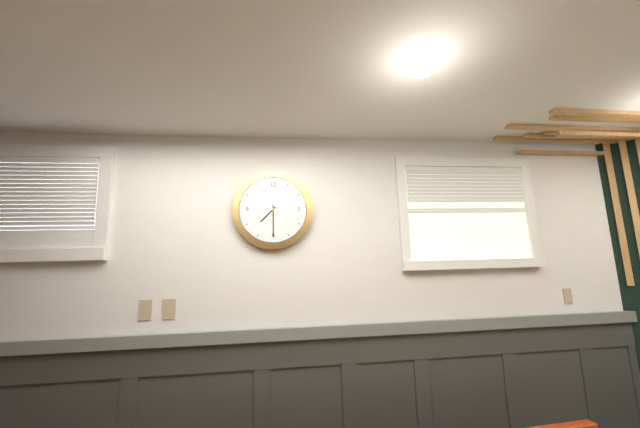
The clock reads 7h30
